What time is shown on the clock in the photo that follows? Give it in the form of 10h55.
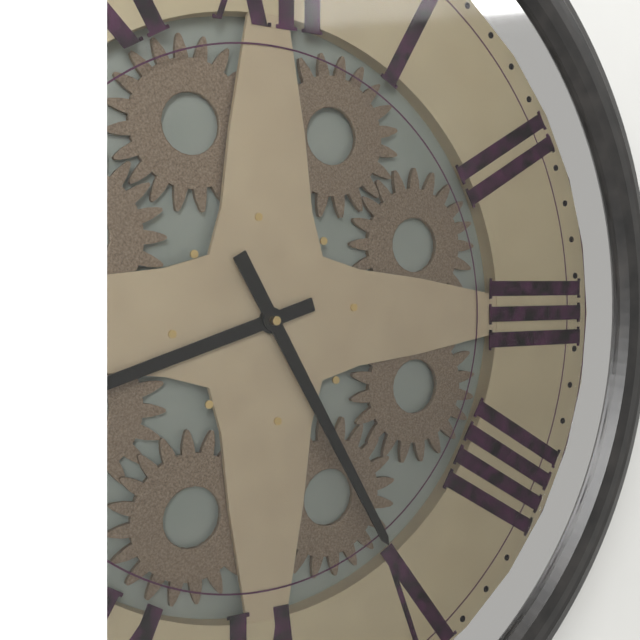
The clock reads 8h25
